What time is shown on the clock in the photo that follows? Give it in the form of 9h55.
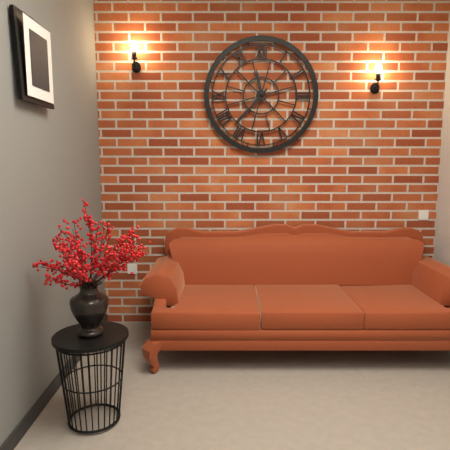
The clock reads 11h37
